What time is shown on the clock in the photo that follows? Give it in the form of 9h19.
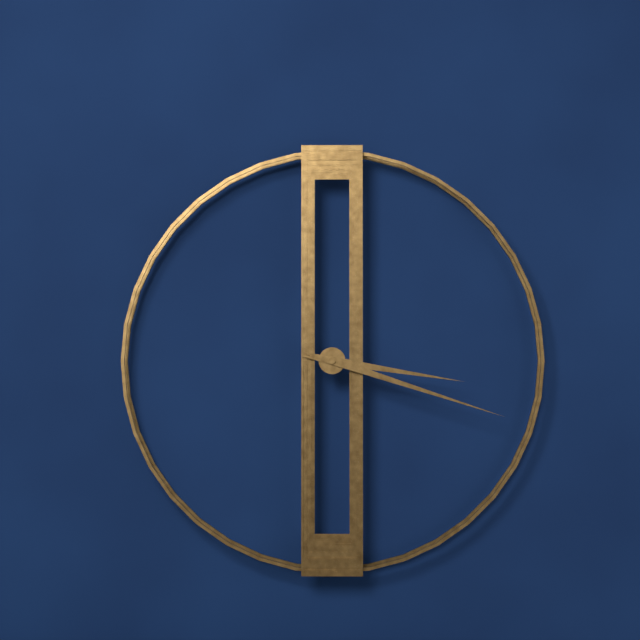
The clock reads 3h18
